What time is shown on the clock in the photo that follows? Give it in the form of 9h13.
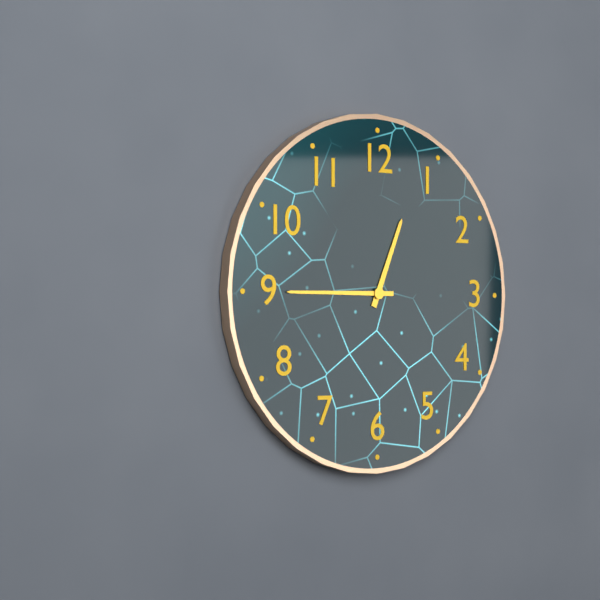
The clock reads 12h45
